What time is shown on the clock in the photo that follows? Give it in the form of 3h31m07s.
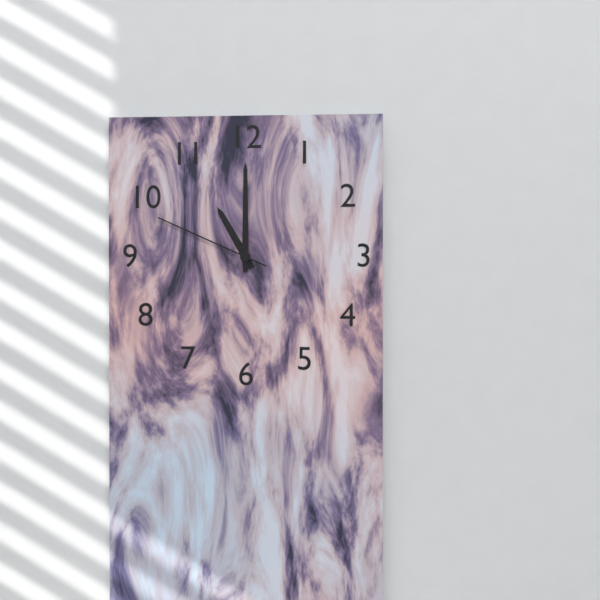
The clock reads 11h00m49s
